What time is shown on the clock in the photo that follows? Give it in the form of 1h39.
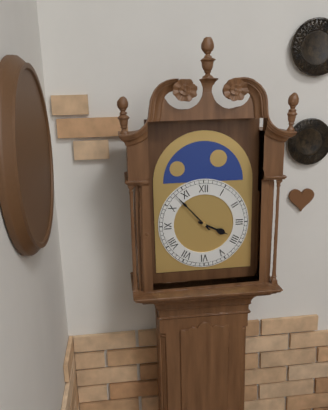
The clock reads 3h53
